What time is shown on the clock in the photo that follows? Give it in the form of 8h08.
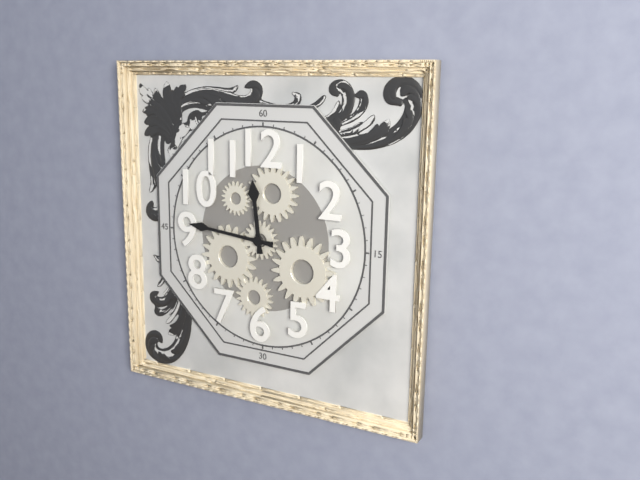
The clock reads 11h46
